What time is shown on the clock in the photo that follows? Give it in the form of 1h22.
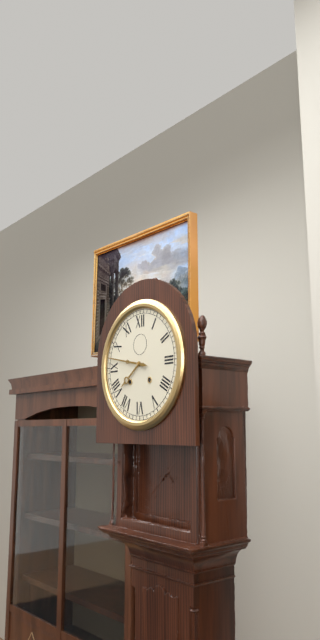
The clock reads 7h47
